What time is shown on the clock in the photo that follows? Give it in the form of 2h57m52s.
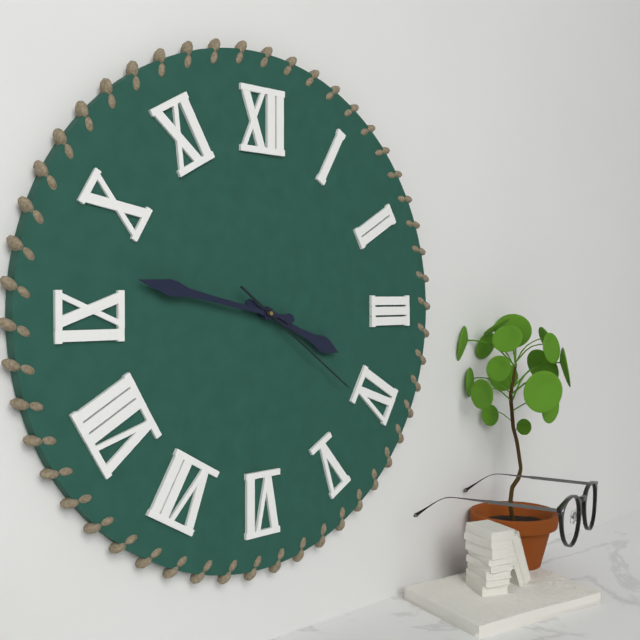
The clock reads 3h47m21s
